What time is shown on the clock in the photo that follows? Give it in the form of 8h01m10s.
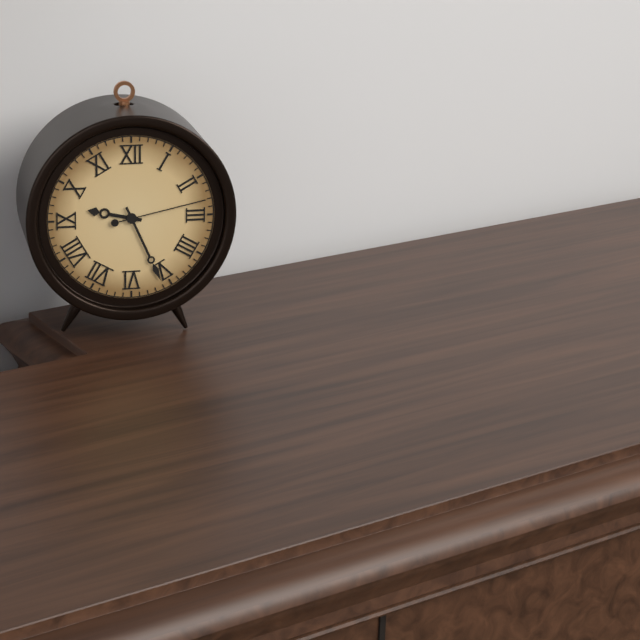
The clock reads 9h26m13s
